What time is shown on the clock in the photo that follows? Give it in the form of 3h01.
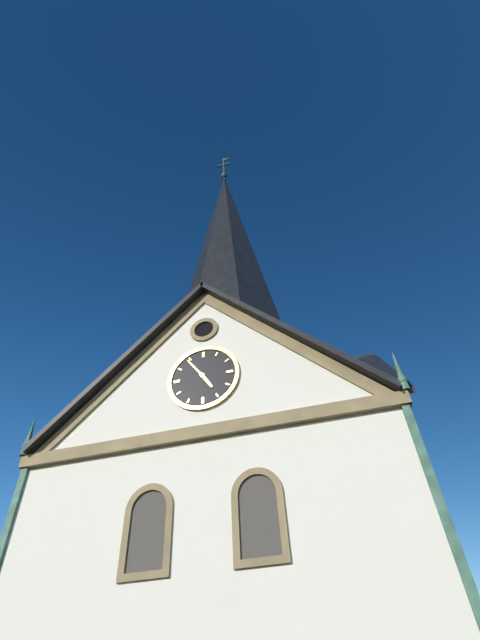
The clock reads 4h54
